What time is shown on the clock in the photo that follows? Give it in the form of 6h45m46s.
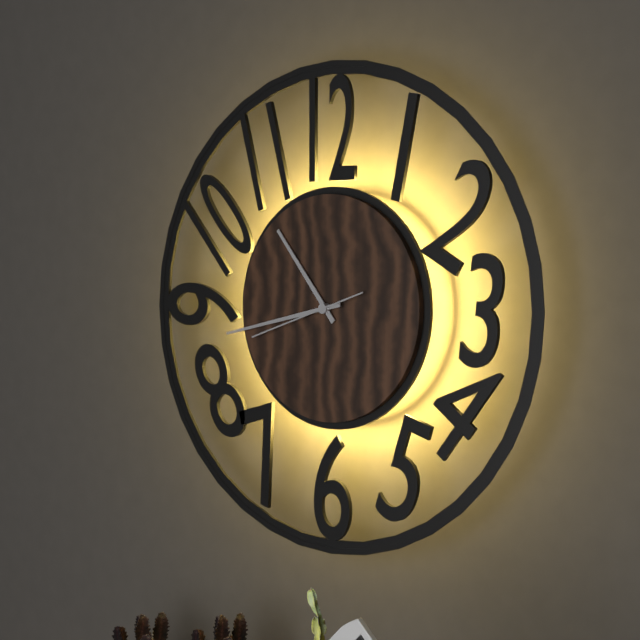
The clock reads 10h43m42s
